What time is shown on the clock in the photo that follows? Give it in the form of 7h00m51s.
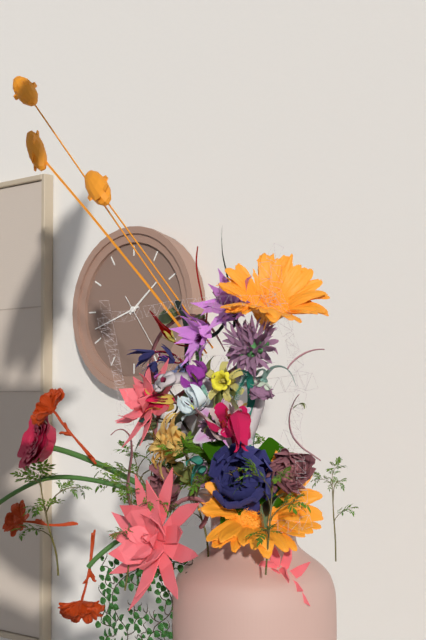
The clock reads 1h42m24s
